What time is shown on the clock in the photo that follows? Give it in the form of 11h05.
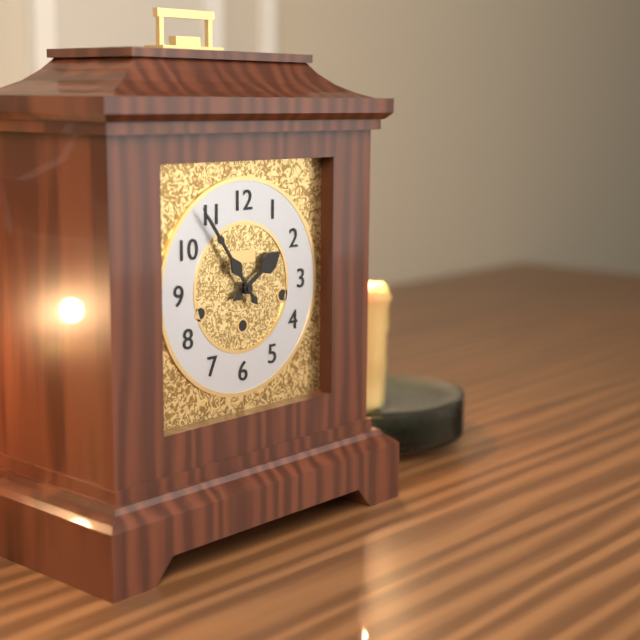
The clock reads 1h54
